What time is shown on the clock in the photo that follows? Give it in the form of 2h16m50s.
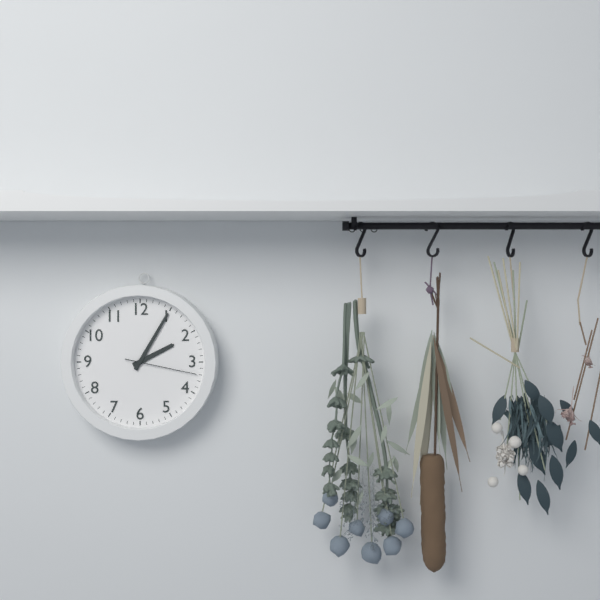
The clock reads 2h05m17s
